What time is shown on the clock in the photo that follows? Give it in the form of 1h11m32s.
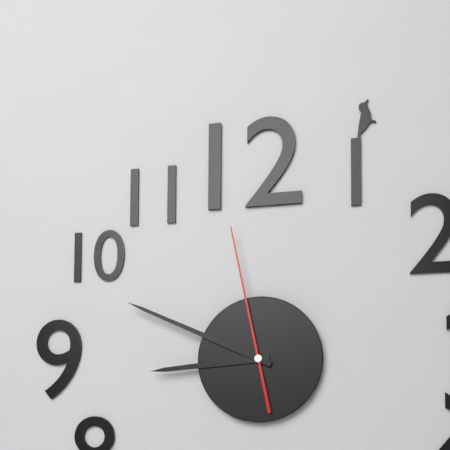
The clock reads 8h49m58s
